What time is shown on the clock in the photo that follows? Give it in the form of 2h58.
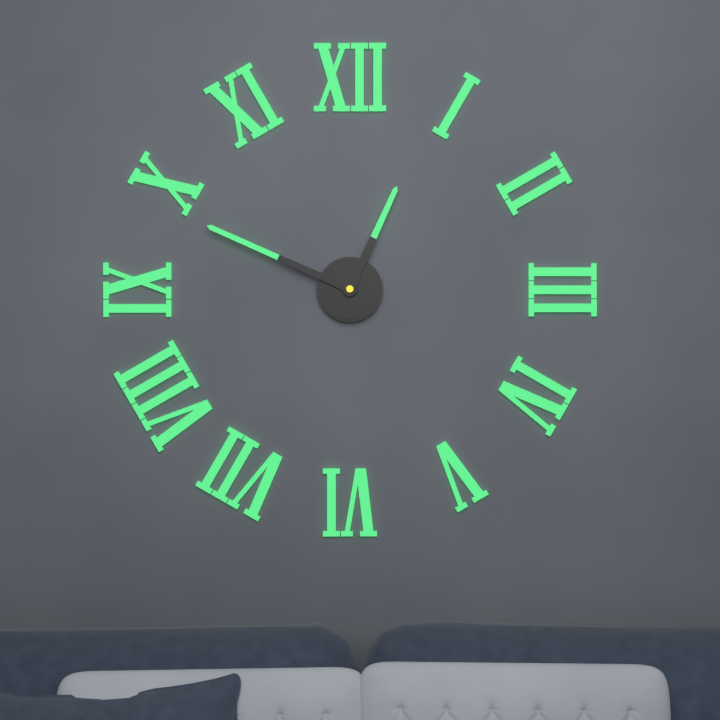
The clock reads 12h49
